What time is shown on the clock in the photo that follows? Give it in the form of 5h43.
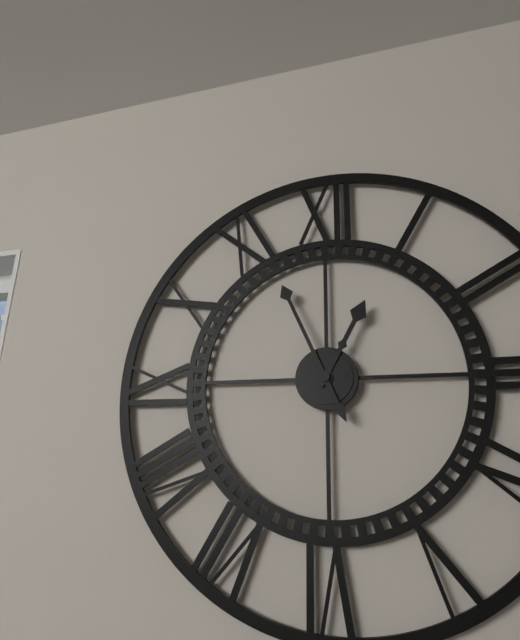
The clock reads 12h56
